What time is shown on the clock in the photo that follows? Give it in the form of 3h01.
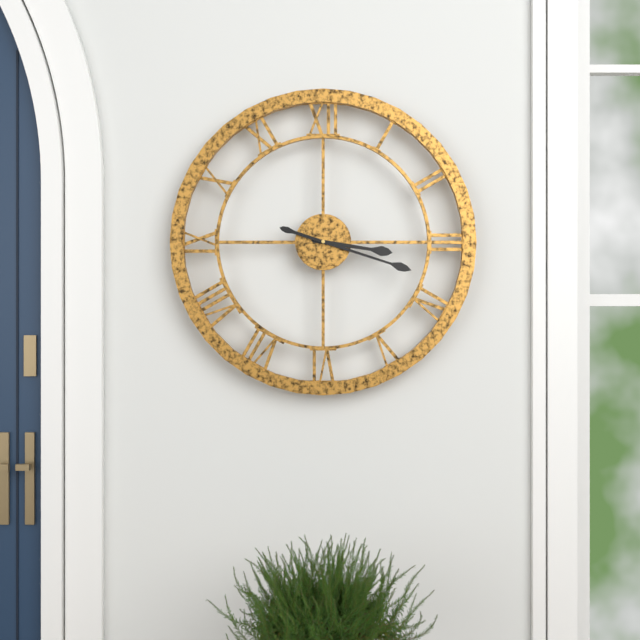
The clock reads 3h18
